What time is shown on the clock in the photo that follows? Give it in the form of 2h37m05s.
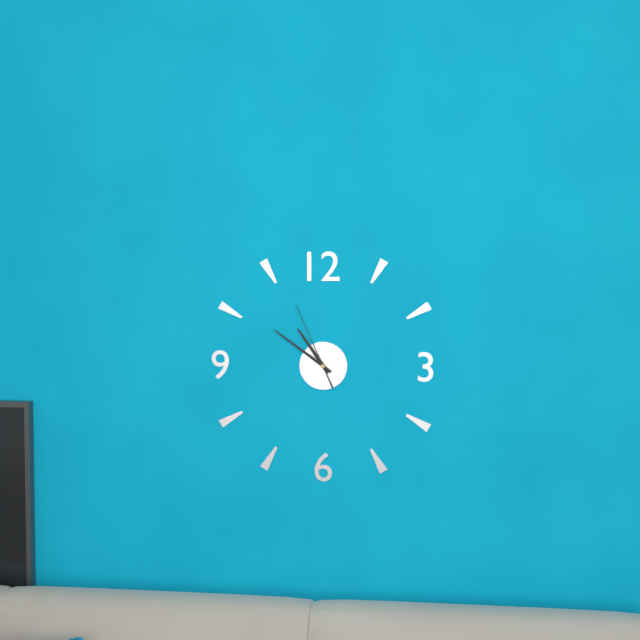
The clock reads 10h51m56s
